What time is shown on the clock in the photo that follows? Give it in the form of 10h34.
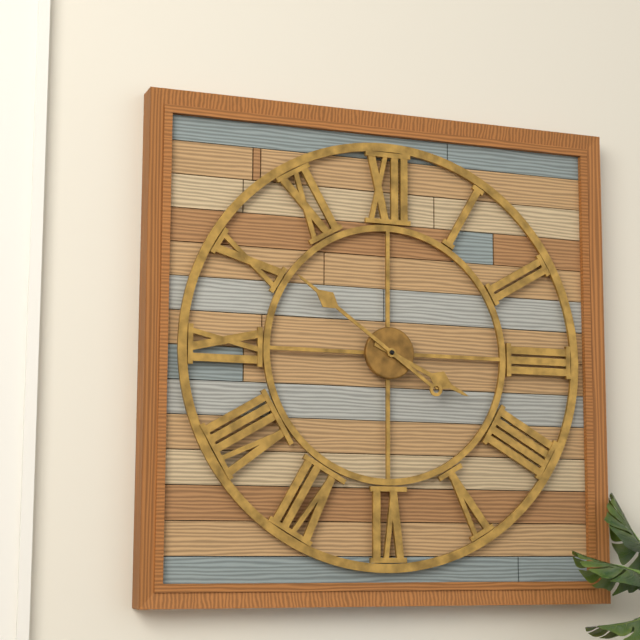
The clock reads 3h51
